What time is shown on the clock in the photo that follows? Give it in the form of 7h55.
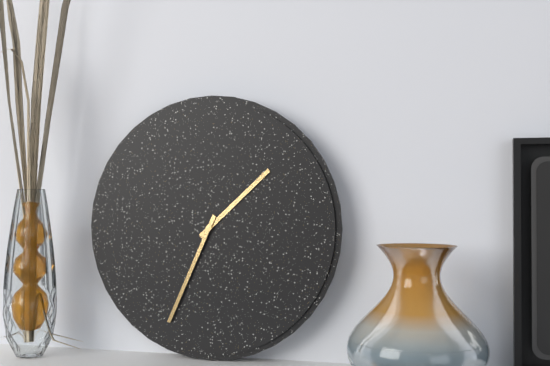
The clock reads 1h34
